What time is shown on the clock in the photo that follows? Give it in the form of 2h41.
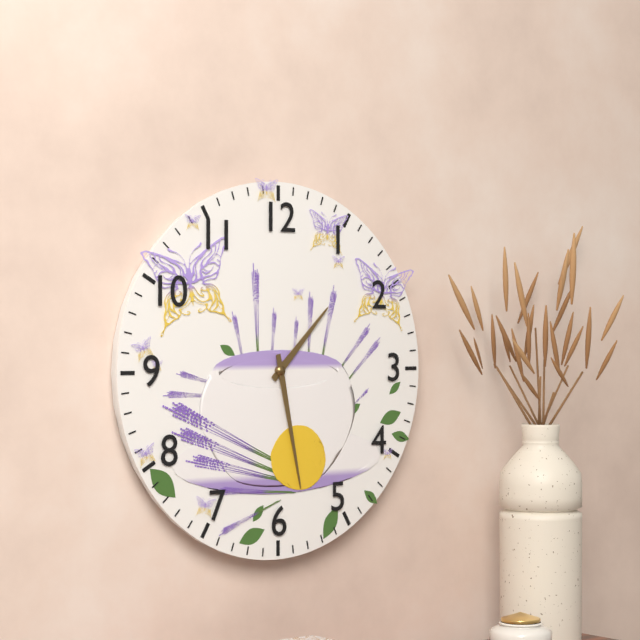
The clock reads 1h28
